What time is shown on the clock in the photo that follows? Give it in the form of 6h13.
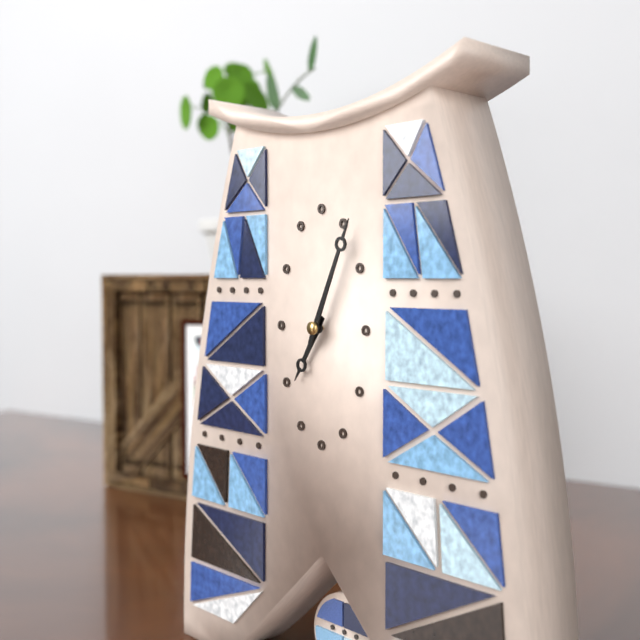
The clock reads 7h04
